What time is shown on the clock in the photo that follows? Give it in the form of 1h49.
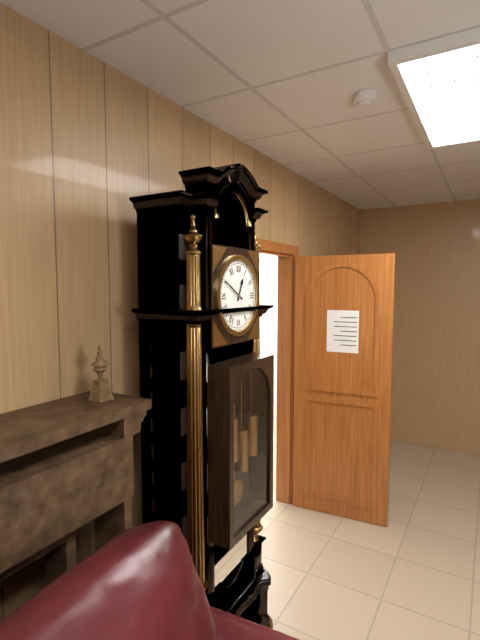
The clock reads 12h50
